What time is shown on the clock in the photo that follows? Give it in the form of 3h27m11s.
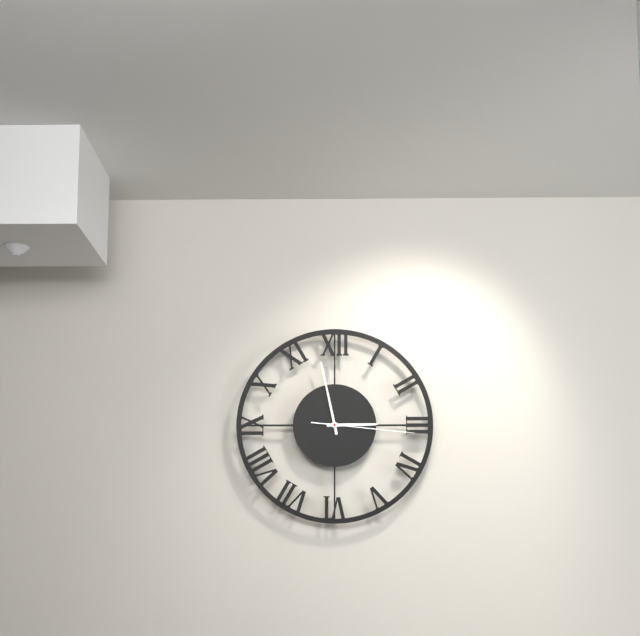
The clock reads 2h58m16s
